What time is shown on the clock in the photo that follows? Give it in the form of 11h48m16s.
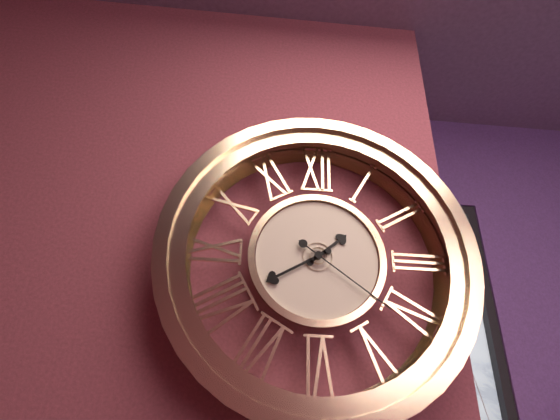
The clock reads 1h40m21s
